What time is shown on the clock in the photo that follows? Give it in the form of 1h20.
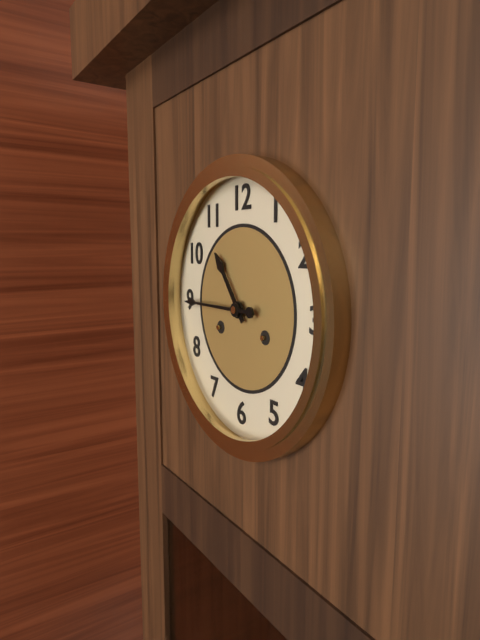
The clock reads 10h45
